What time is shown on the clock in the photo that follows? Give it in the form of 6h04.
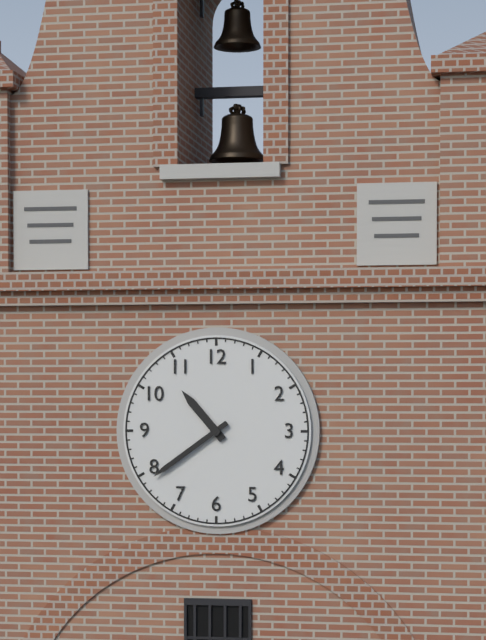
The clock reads 10h39
